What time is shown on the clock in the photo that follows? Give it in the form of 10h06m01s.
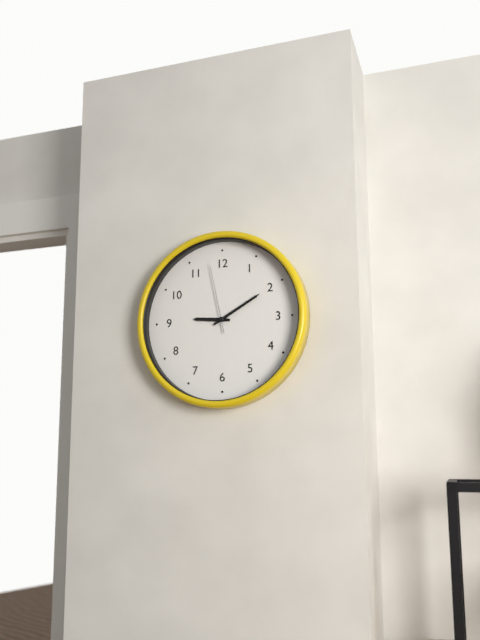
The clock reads 9h10m58s
